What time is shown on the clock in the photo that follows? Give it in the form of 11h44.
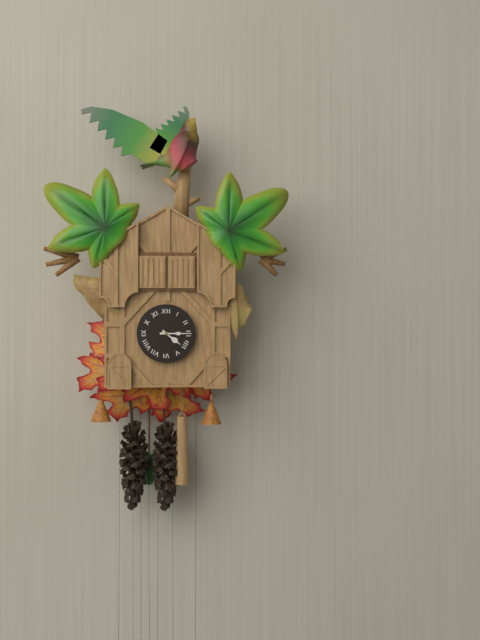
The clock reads 4h15
